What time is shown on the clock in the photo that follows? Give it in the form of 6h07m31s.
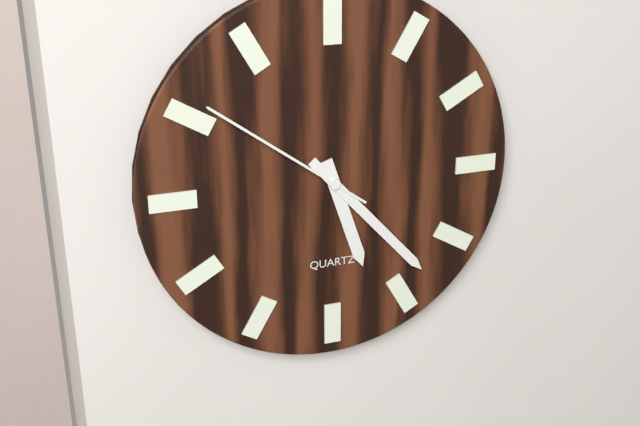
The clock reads 5h23m51s
